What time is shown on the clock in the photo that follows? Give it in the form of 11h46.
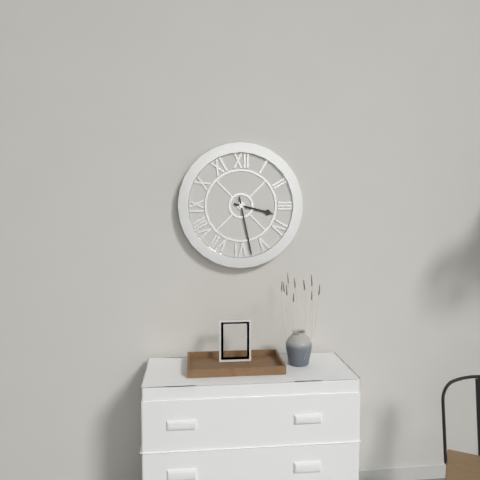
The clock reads 3h28
